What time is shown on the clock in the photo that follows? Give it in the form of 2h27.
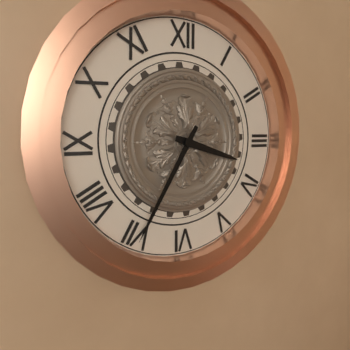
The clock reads 3h35
